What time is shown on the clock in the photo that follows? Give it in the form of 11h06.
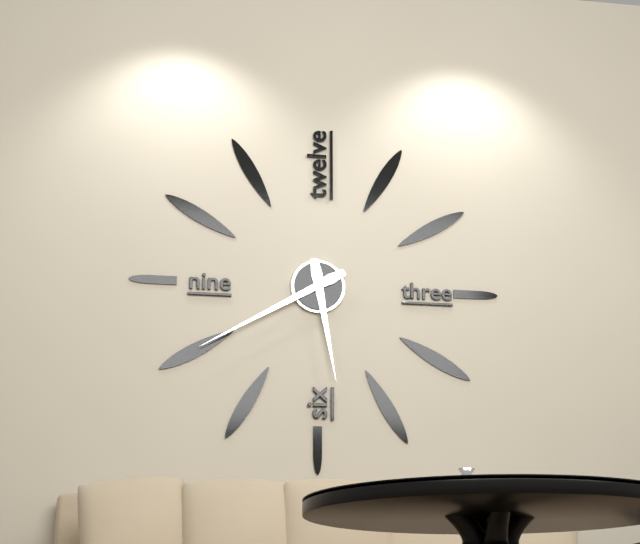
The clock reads 5h40
